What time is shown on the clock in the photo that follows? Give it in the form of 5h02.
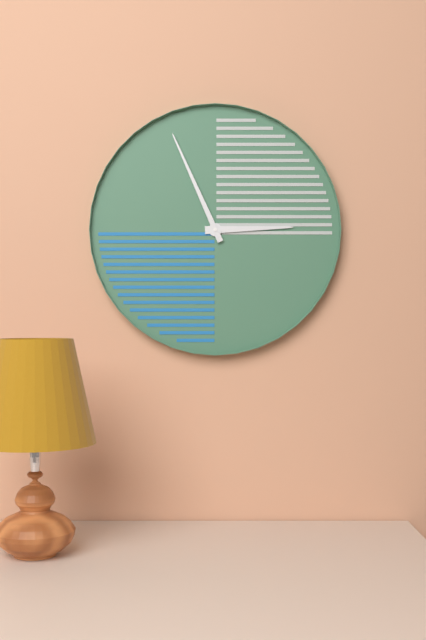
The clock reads 2h56
